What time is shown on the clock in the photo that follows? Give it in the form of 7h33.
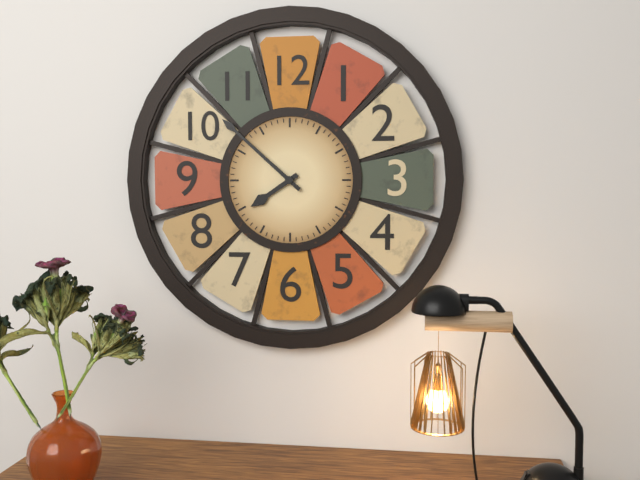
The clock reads 7h52
